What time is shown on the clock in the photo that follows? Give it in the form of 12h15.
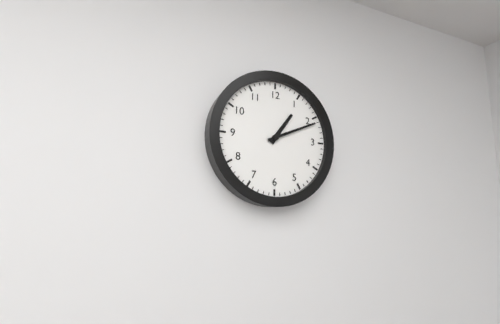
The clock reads 1h11
